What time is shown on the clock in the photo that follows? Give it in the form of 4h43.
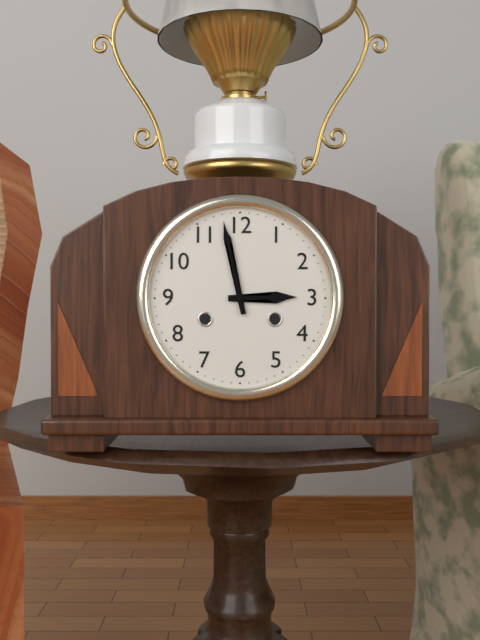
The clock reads 2h58
